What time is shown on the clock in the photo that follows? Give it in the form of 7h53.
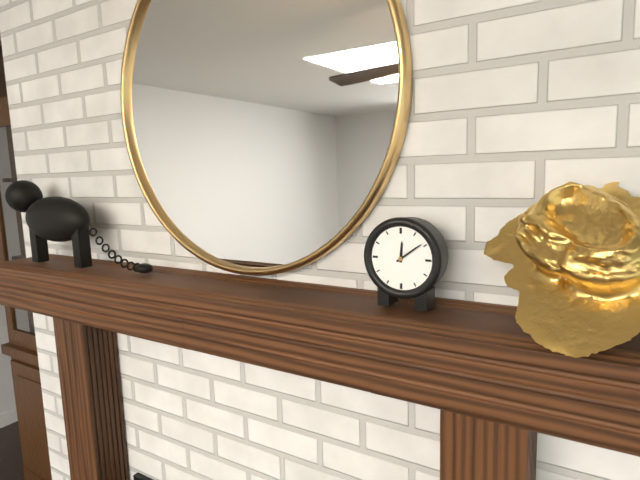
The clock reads 12h09
